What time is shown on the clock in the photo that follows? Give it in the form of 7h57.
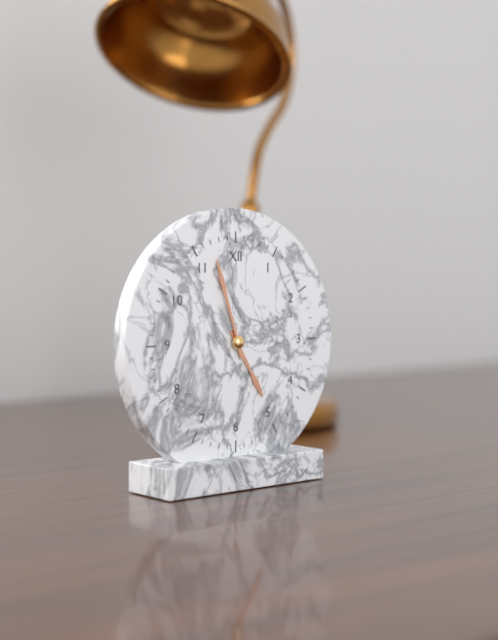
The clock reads 4h57
